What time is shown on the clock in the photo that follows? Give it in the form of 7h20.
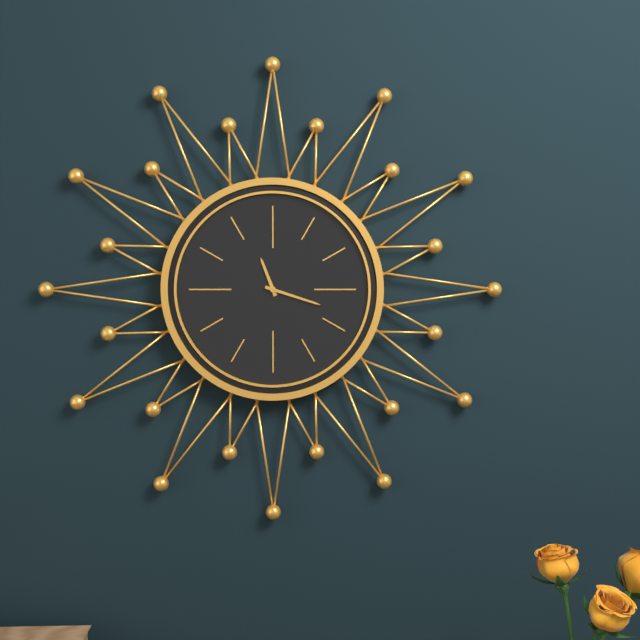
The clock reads 11h18
